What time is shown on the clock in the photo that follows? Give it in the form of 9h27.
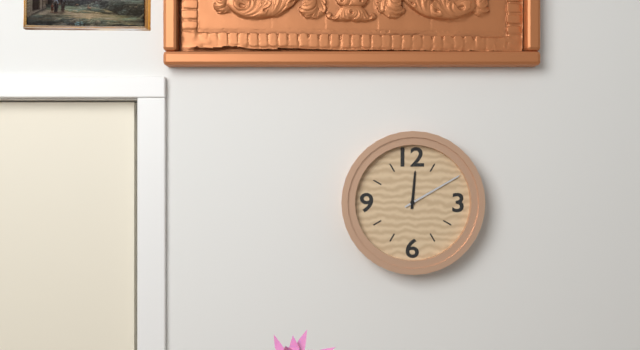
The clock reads 12h10
